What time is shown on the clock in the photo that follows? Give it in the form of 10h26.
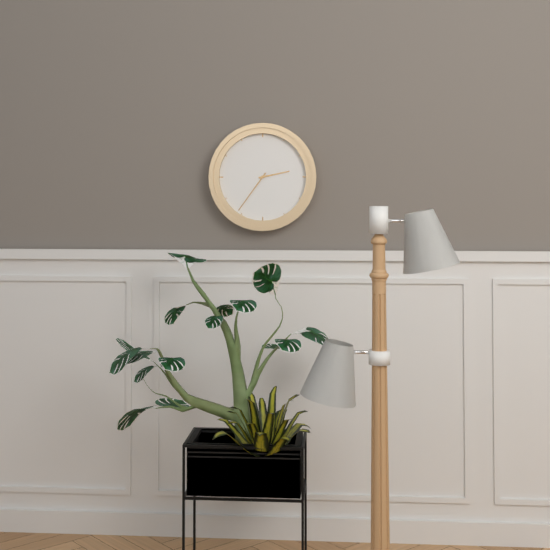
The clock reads 2h36
